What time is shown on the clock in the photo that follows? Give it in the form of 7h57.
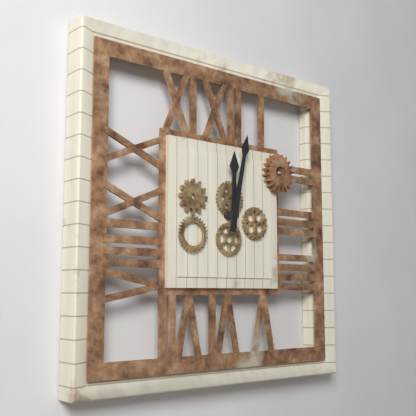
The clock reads 12h02
